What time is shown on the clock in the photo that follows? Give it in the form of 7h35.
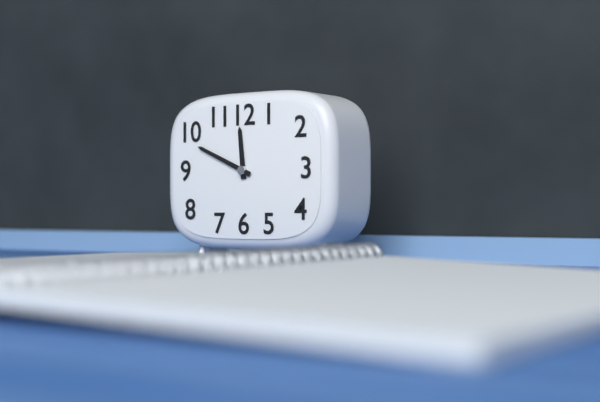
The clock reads 11h49
